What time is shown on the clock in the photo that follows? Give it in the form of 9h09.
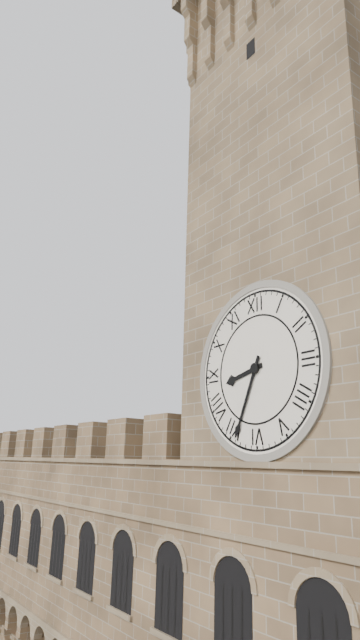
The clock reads 8h34
